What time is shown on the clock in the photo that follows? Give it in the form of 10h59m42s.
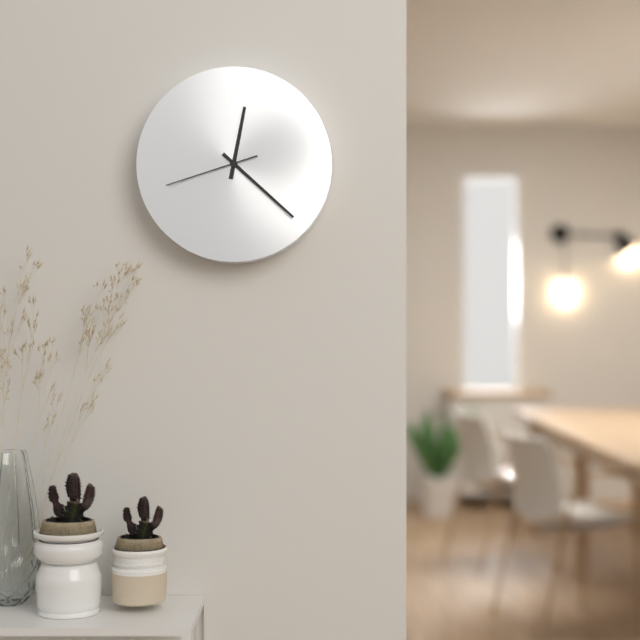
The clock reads 12h22m42s
